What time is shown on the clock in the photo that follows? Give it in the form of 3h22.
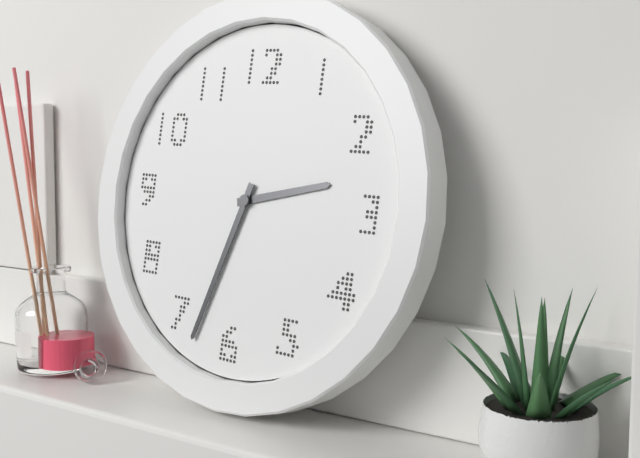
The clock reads 2h33
